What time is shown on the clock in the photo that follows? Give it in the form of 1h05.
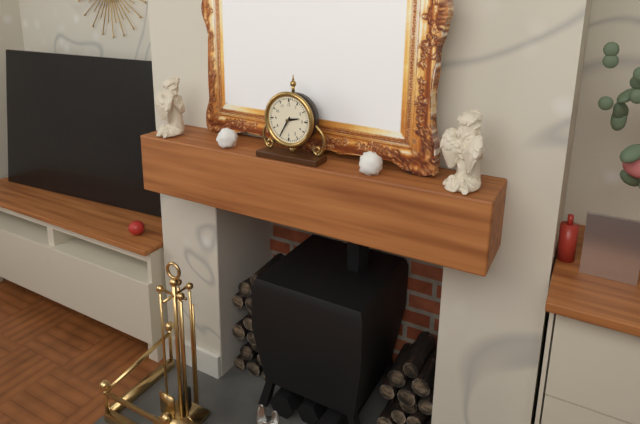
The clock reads 2h35
